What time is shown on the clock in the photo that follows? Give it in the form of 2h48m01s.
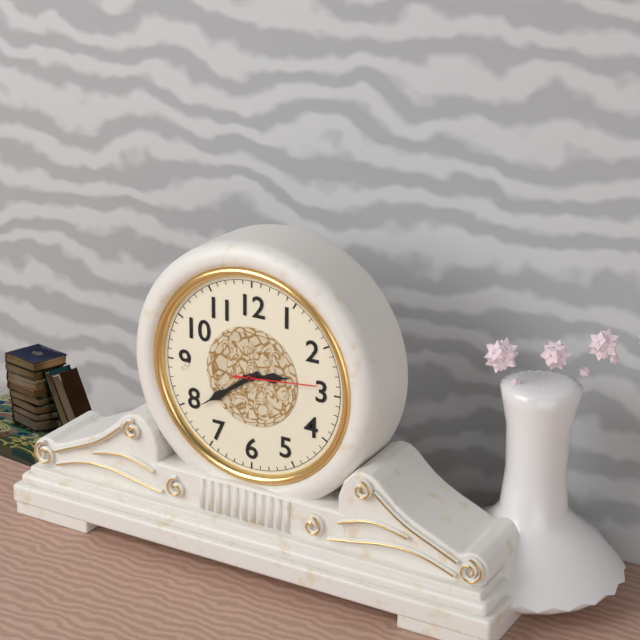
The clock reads 2h39m14s
